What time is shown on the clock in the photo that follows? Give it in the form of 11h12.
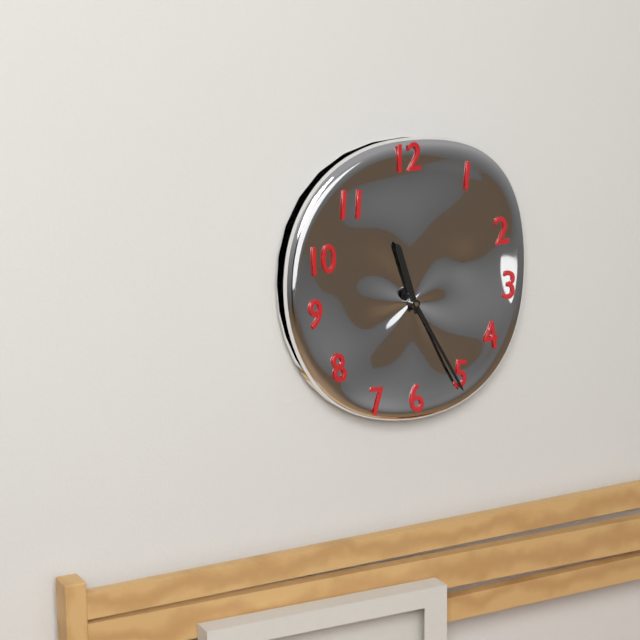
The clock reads 11h25
